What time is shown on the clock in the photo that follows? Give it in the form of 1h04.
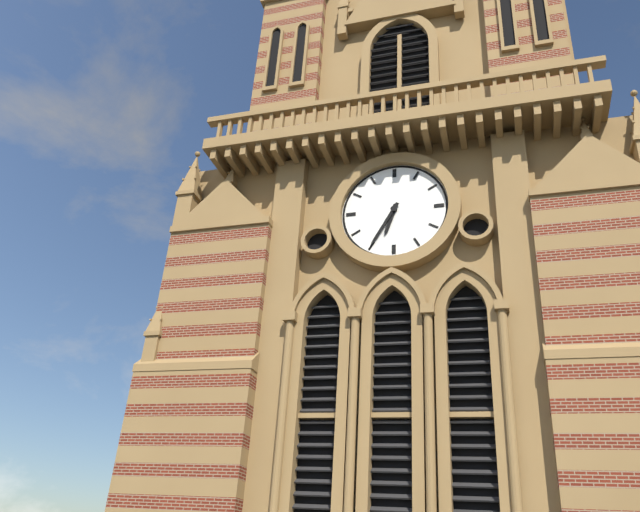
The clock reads 6h35
